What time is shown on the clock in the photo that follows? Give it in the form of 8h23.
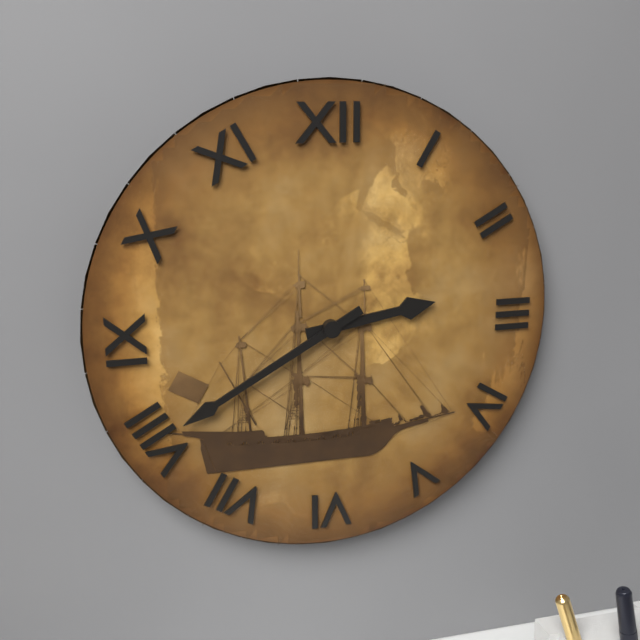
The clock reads 2h40
